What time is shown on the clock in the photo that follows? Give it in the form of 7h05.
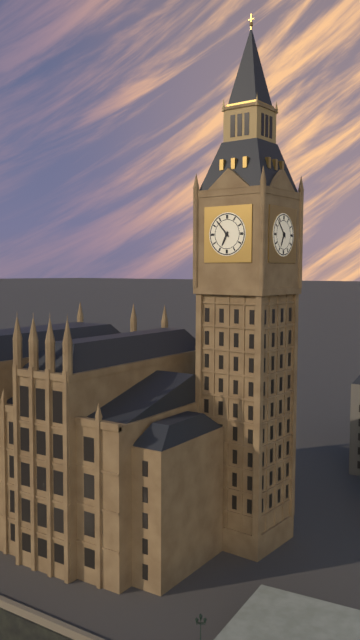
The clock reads 6h53
